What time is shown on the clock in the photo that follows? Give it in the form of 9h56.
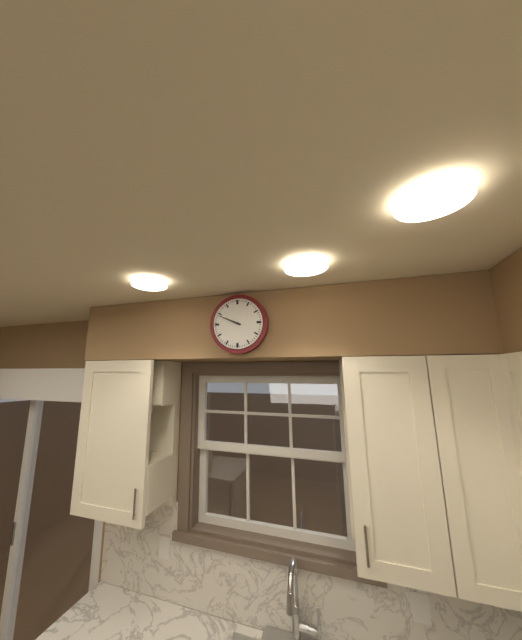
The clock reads 9h49
